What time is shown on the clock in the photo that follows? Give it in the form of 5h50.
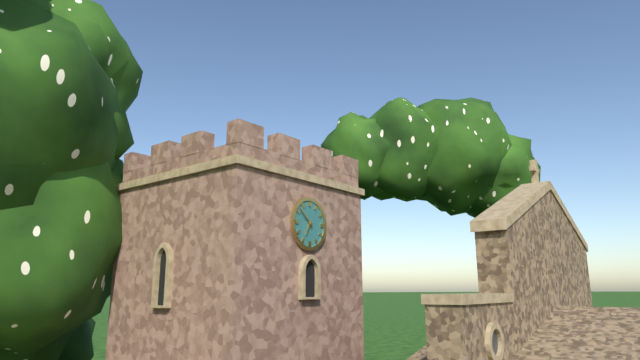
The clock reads 6h52
